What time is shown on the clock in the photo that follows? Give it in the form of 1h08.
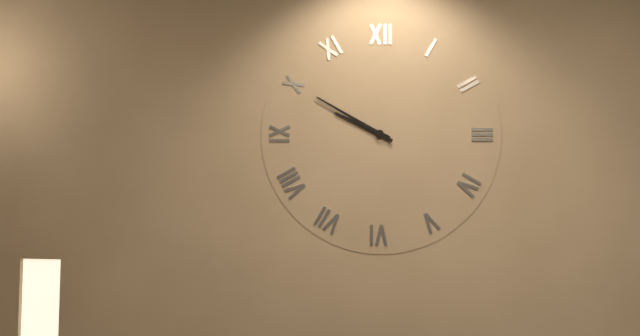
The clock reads 9h50
